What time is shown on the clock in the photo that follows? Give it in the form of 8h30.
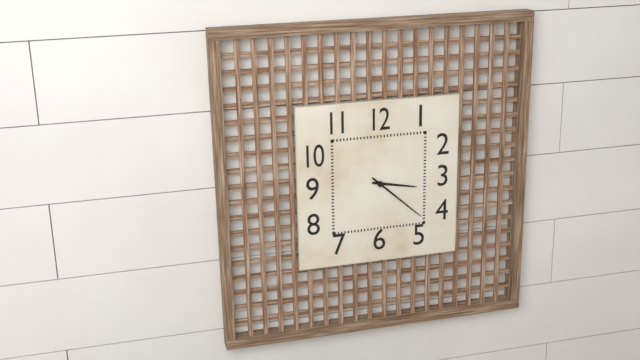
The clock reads 3h22
